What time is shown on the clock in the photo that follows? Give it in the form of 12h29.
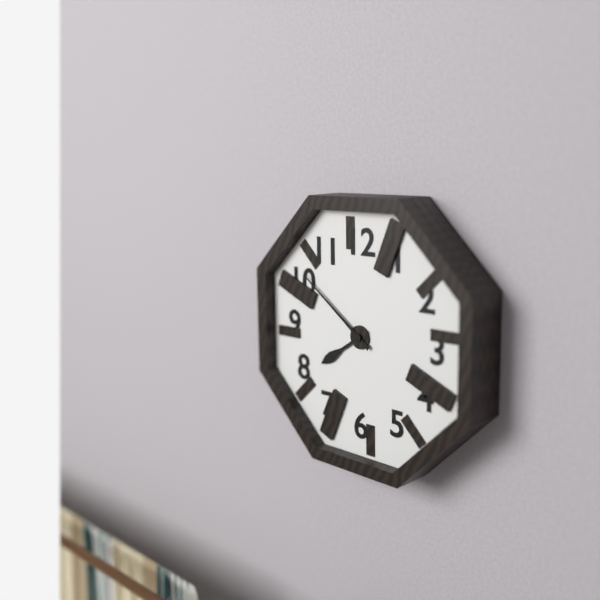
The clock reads 7h51
